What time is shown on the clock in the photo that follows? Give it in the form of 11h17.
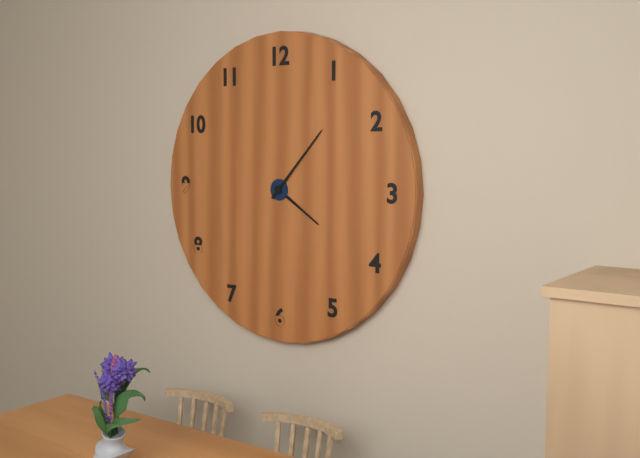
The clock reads 4h07
